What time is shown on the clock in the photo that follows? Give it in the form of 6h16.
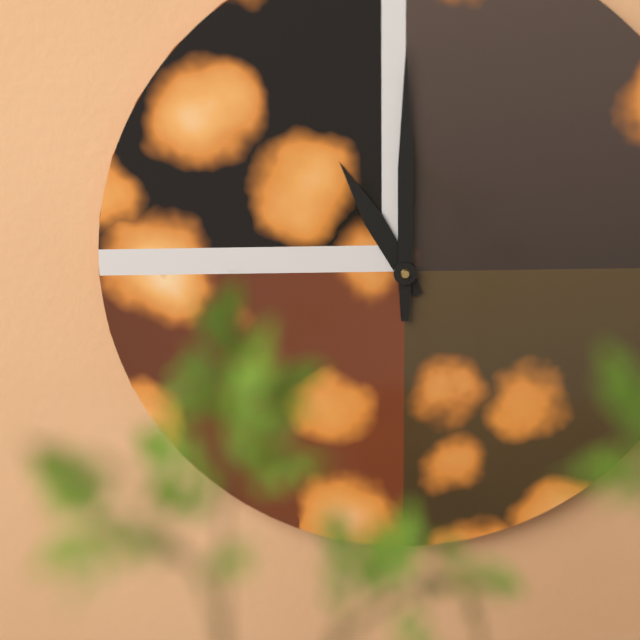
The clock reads 11h00
